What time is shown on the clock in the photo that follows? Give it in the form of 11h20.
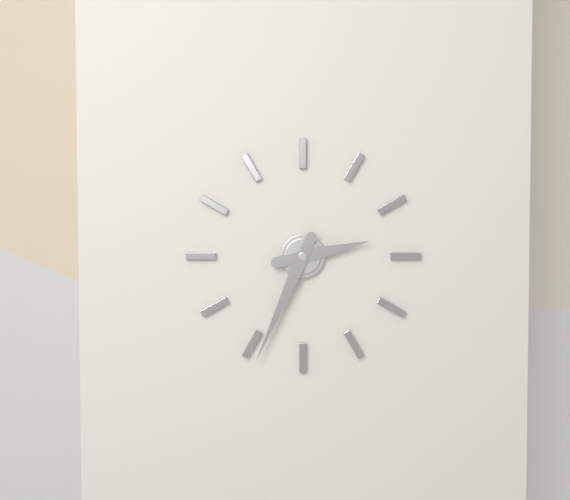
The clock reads 2h34
